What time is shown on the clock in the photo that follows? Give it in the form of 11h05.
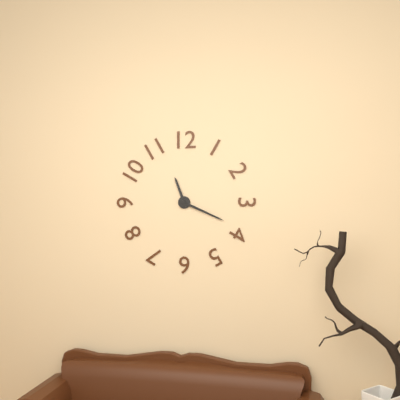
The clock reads 11h19
